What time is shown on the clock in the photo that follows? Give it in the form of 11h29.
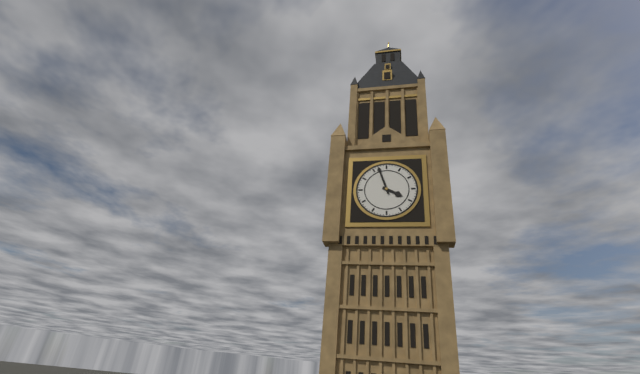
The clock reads 3h57
